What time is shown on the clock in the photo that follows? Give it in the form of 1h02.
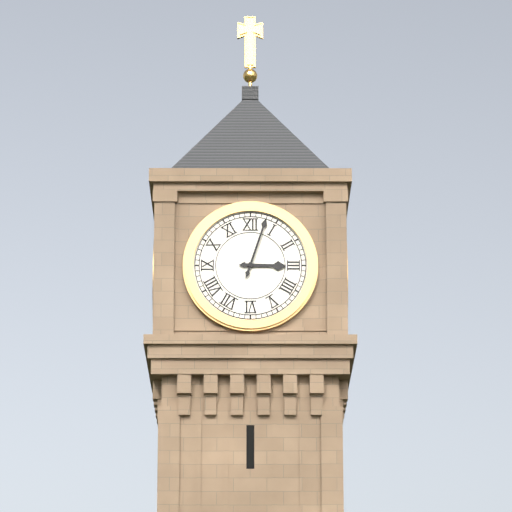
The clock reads 3h03
